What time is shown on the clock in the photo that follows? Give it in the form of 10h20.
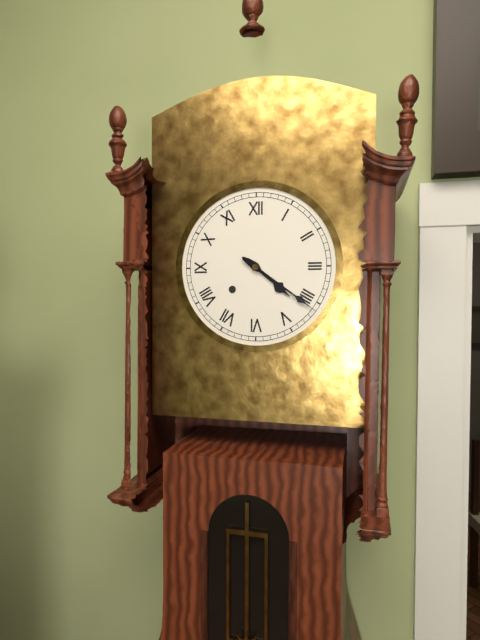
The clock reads 4h21
